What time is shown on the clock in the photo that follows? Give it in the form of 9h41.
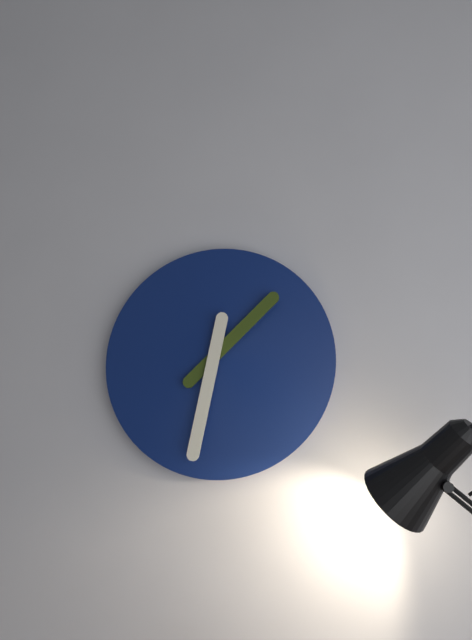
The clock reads 1h32
